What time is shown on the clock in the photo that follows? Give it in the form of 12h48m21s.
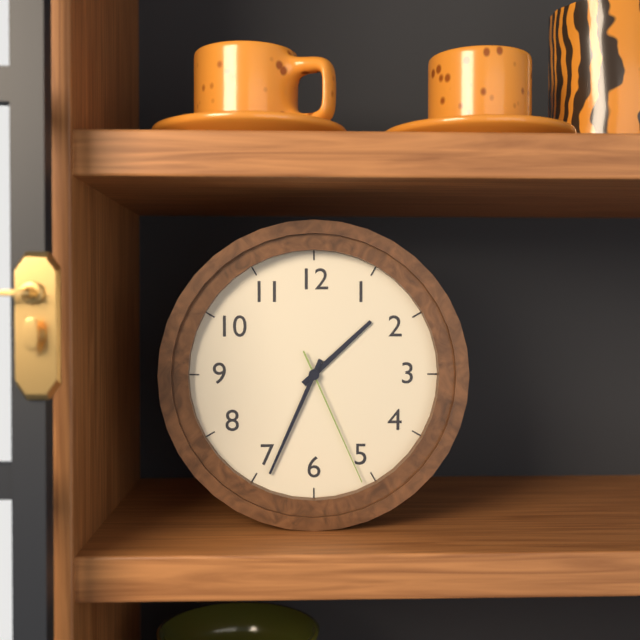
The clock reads 1h34m26s
